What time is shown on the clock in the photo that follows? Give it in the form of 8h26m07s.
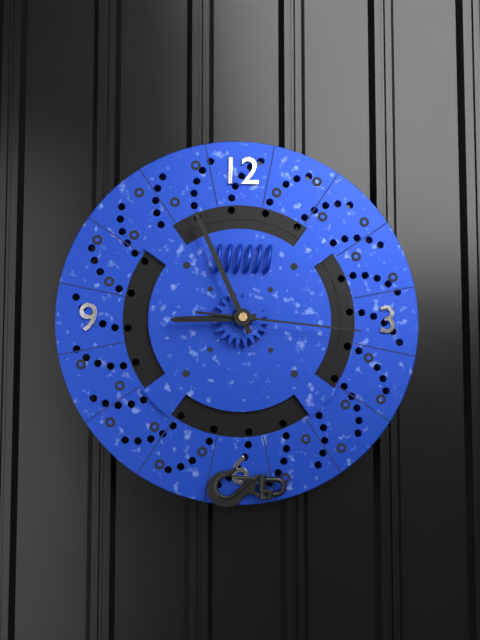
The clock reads 8h56m16s
